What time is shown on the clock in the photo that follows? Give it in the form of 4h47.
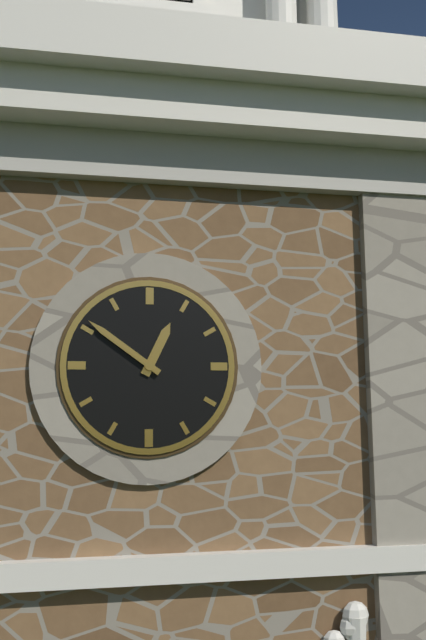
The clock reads 12h51
